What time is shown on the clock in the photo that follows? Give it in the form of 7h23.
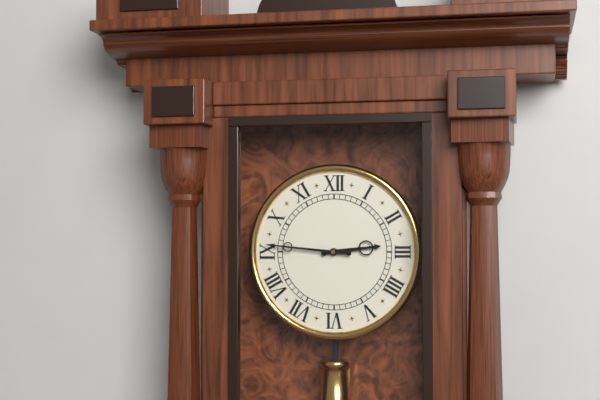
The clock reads 2h46
